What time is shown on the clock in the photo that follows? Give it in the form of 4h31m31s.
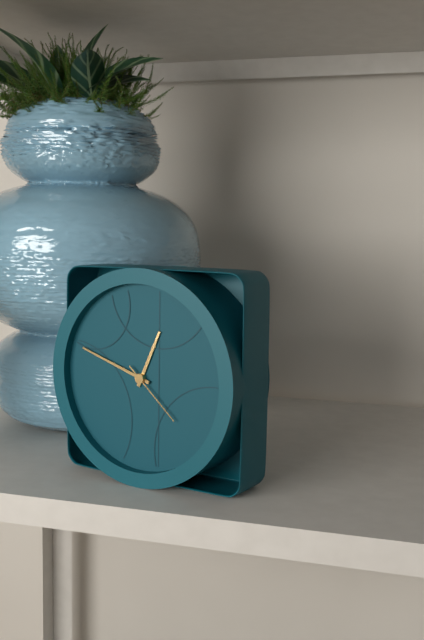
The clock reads 12h48m22s
